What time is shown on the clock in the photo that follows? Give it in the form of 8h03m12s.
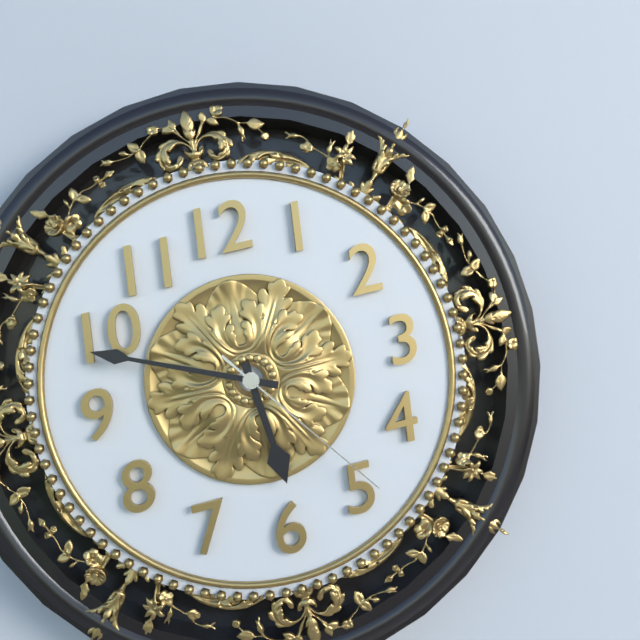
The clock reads 5h49m24s
